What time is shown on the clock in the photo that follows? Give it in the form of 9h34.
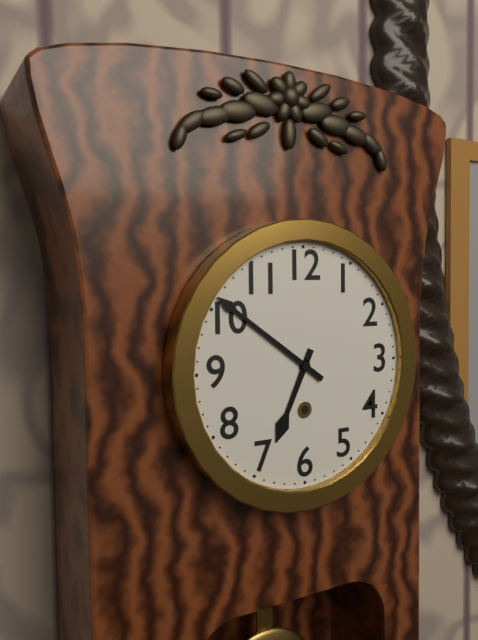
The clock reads 6h51
